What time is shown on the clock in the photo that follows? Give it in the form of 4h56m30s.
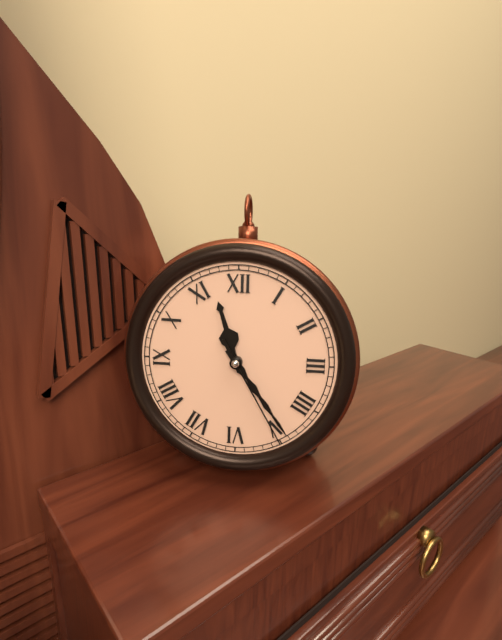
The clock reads 11h24m25s
